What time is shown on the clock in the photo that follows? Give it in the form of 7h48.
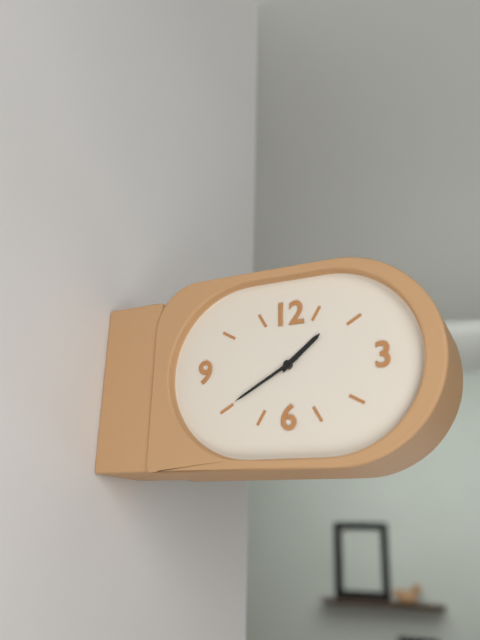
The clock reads 1h40
